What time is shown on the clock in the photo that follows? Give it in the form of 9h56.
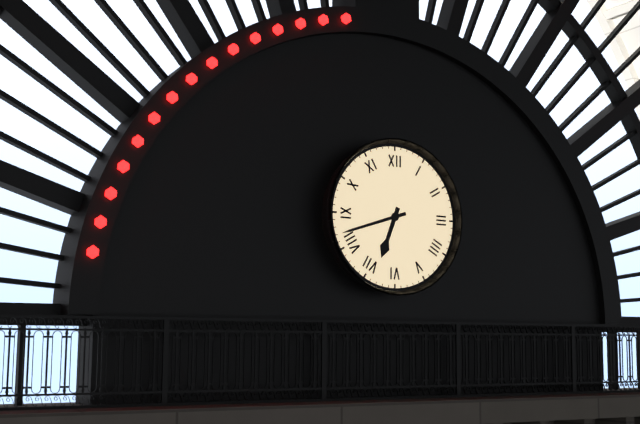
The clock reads 6h42
